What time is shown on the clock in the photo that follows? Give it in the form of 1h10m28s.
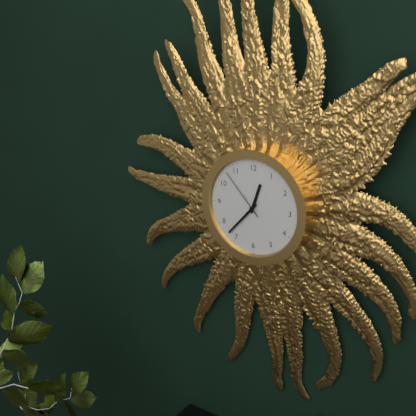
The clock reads 12h37m53s
